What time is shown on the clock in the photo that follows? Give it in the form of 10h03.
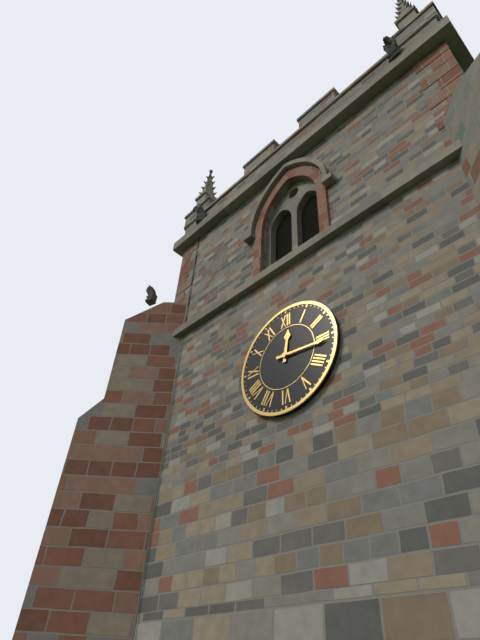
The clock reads 12h16
